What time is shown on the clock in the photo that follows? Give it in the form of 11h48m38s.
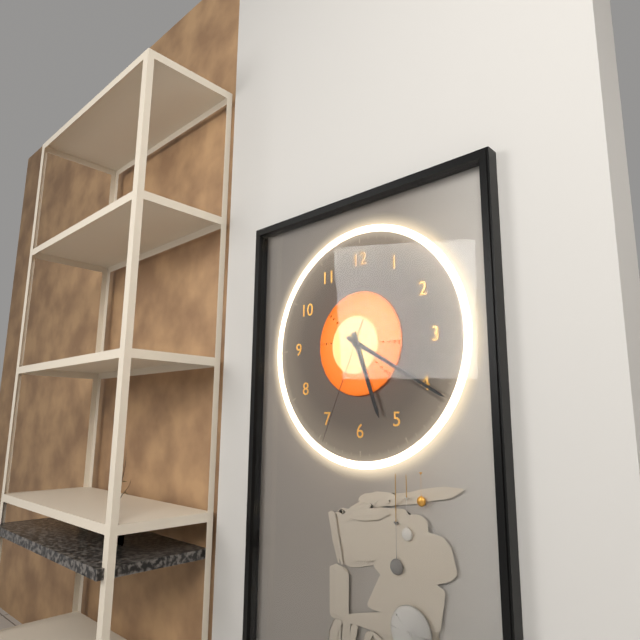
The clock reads 5h20m34s
